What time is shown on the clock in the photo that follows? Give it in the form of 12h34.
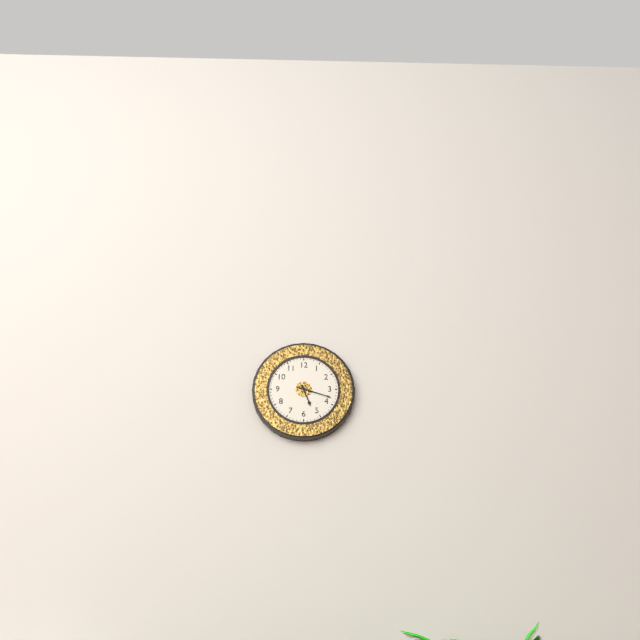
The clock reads 5h18
